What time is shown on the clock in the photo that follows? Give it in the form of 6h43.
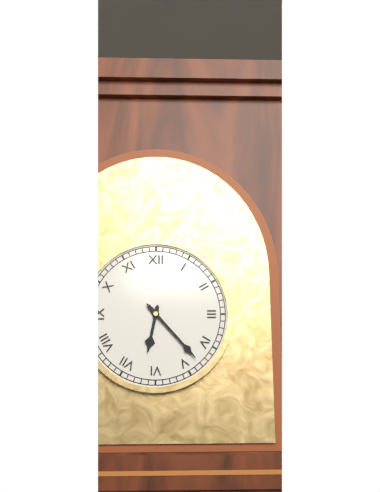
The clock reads 6h23
